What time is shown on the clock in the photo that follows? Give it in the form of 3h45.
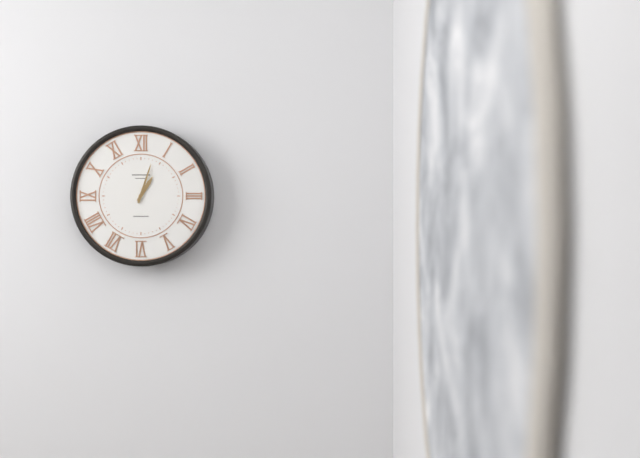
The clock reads 1h03
